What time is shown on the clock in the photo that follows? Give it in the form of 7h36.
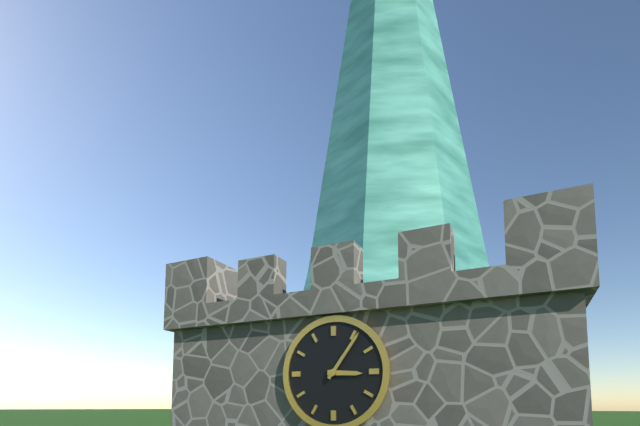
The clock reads 3h06
